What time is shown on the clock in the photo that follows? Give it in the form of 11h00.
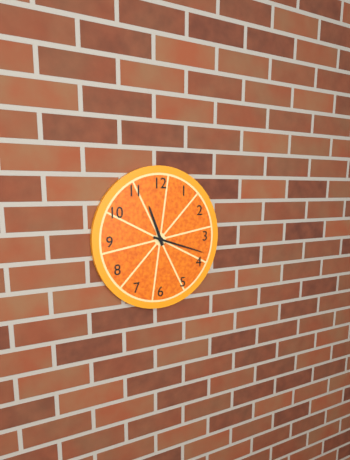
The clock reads 11h18
